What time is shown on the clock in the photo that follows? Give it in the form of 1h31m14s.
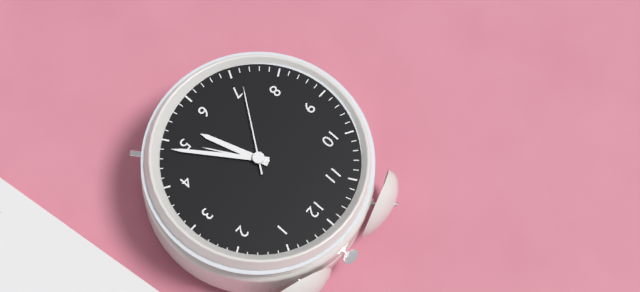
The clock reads 5h24m36s
